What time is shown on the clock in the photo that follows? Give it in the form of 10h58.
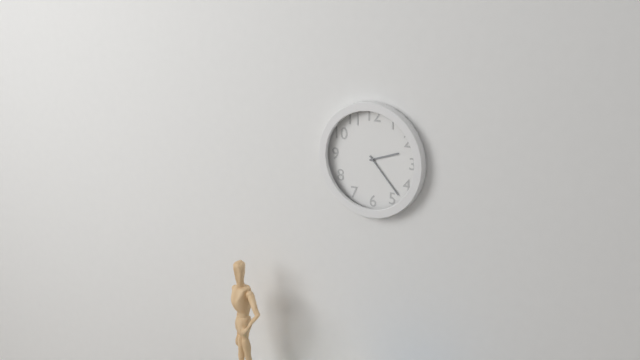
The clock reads 2h23
